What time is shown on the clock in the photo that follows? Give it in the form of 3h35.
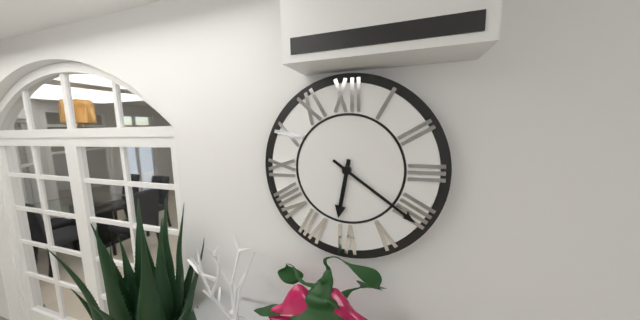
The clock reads 6h21
